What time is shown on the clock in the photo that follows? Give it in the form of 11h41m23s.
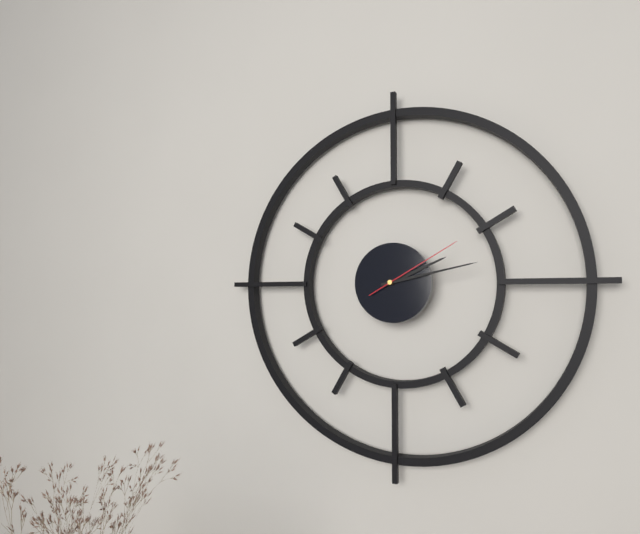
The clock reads 2h13m10s
